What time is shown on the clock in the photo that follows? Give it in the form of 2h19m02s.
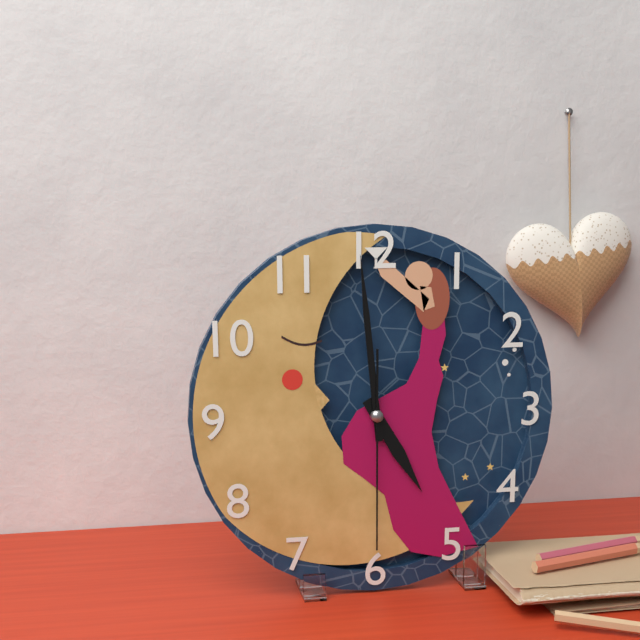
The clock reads 4h59m30s
